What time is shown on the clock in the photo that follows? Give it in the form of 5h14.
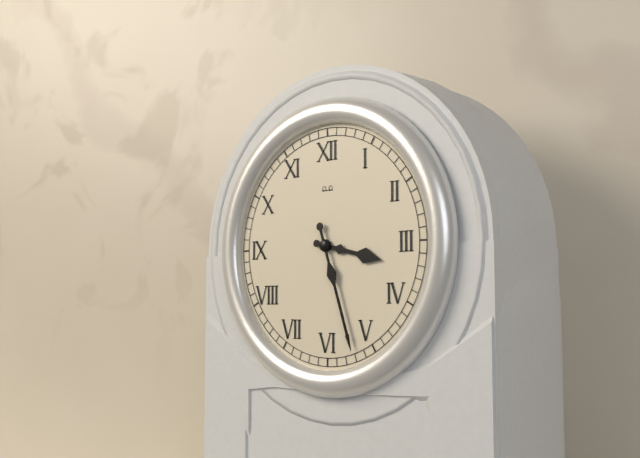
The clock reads 3h27
